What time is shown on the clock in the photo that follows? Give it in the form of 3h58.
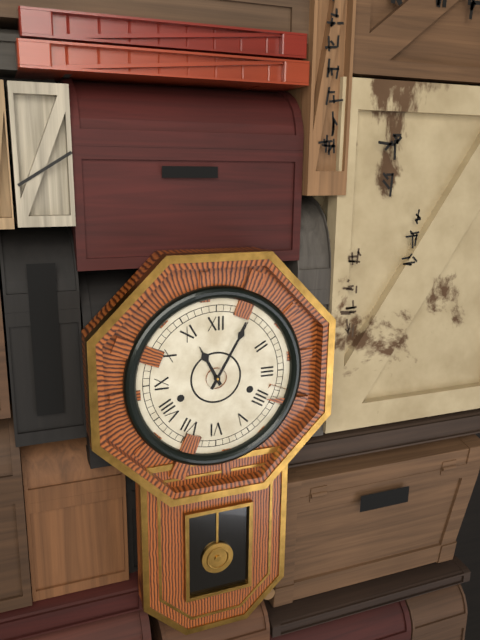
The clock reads 11h05
